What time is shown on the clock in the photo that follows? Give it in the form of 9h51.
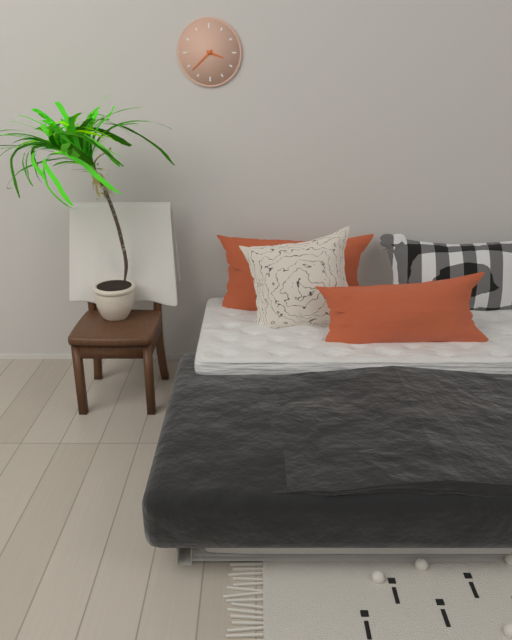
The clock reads 3h38
